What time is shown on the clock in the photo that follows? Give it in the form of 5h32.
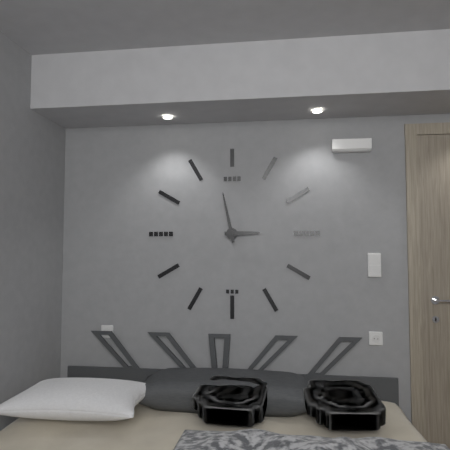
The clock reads 2h58
